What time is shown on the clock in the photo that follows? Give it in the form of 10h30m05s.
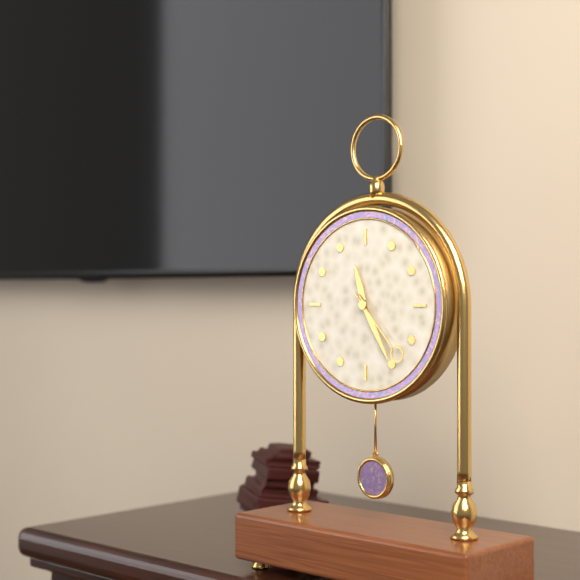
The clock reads 11h25m23s
